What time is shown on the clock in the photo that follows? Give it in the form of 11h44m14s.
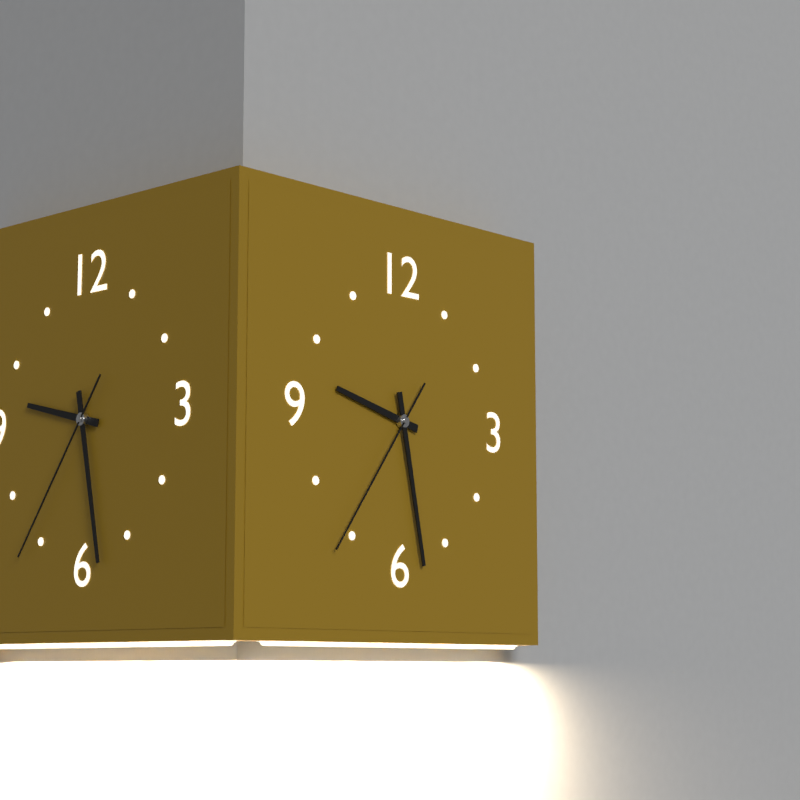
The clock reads 9h28m36s
